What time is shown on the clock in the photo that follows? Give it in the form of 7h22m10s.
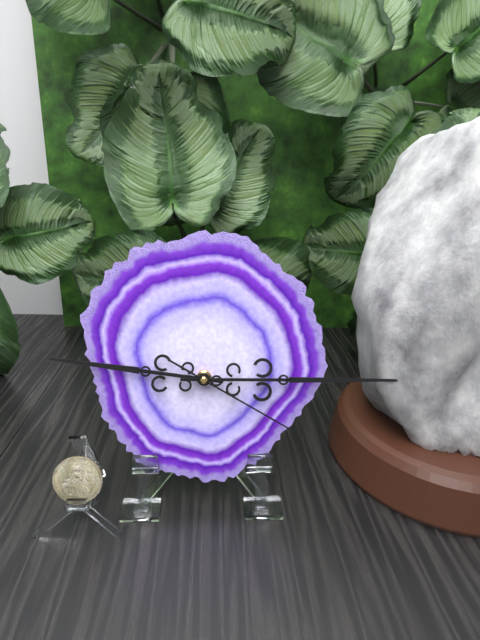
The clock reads 9h15m20s
